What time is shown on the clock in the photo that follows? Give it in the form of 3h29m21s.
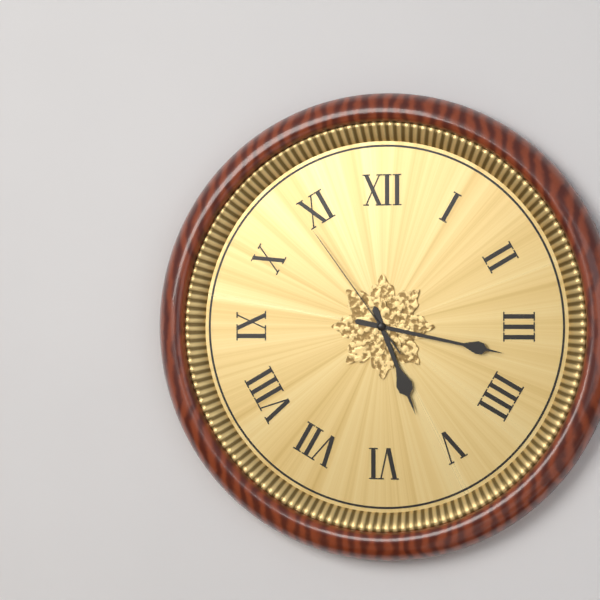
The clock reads 5h17m54s
